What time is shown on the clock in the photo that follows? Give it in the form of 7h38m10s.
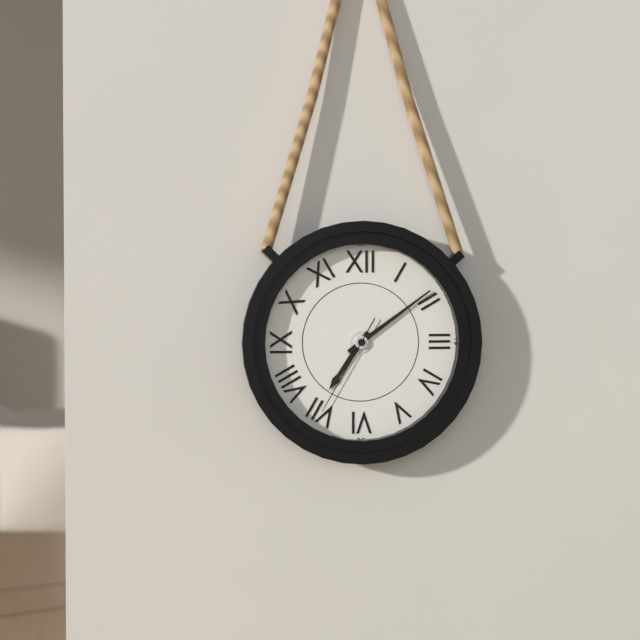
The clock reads 7h09m35s
